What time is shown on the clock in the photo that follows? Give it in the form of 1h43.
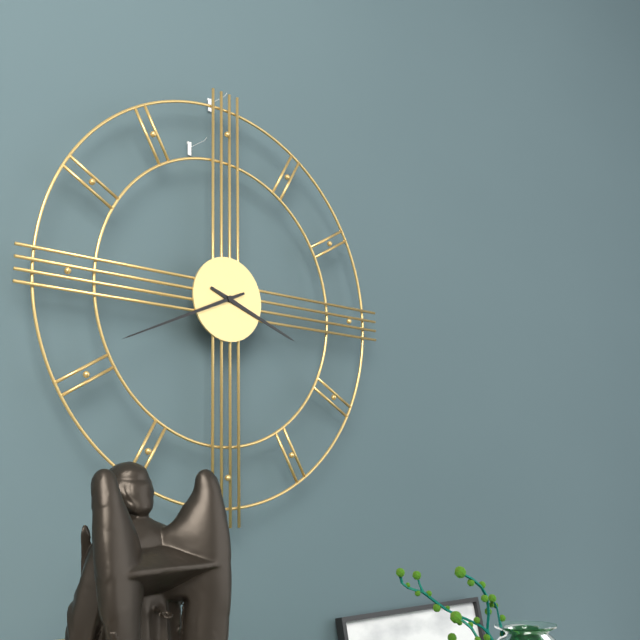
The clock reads 3h41
